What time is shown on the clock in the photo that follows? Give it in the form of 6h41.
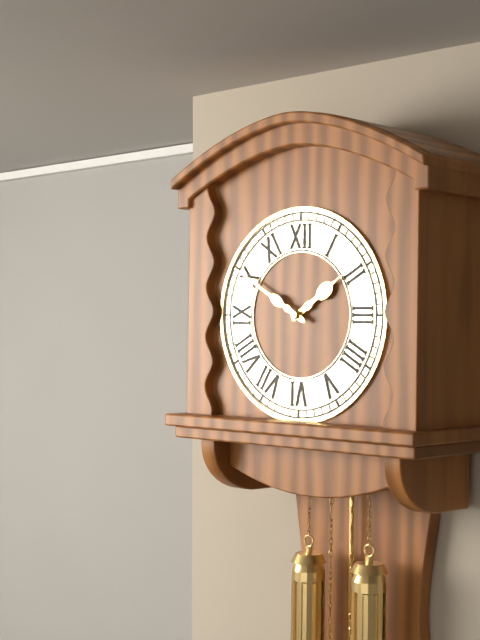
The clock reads 1h50
